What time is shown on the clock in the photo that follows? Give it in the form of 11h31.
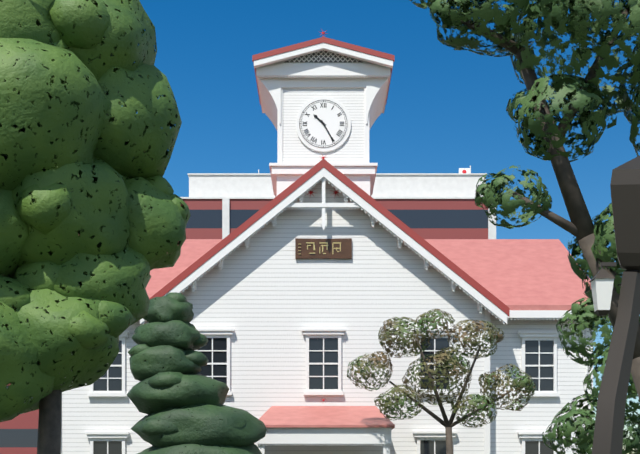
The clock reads 10h25
